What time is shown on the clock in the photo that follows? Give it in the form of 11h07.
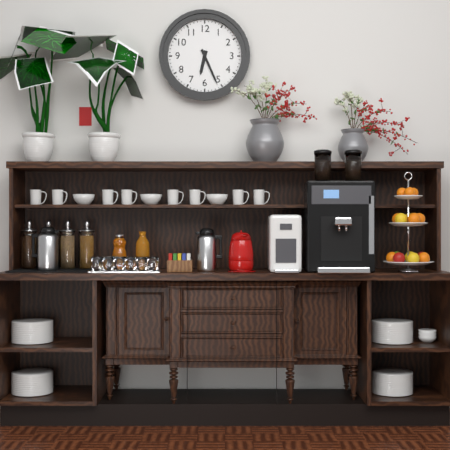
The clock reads 6h26
